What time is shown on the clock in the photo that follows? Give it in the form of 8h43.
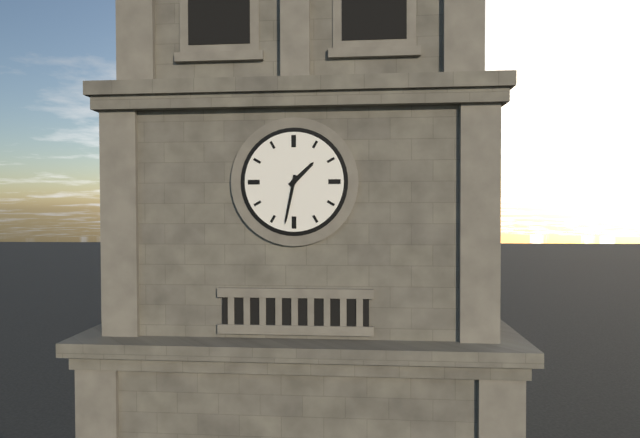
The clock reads 1h32
